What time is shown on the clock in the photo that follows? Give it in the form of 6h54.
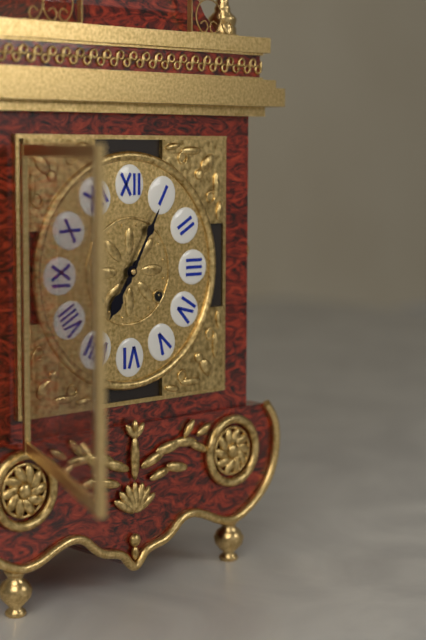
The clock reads 7h05
